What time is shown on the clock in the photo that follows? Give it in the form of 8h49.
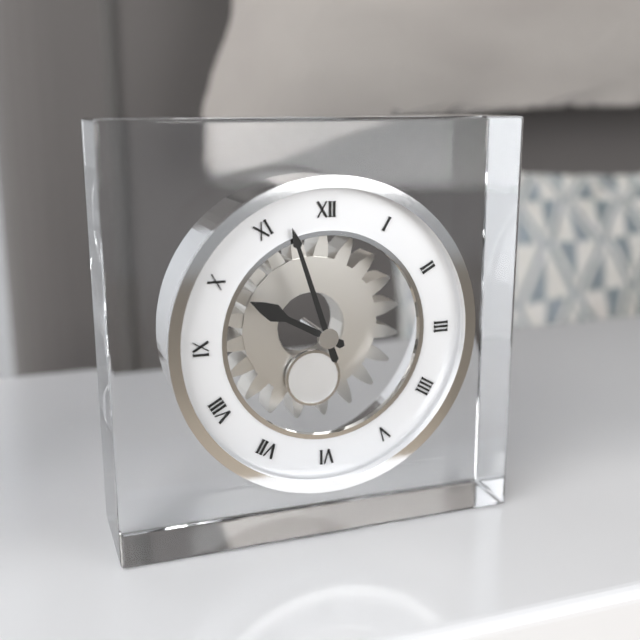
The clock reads 9h57
